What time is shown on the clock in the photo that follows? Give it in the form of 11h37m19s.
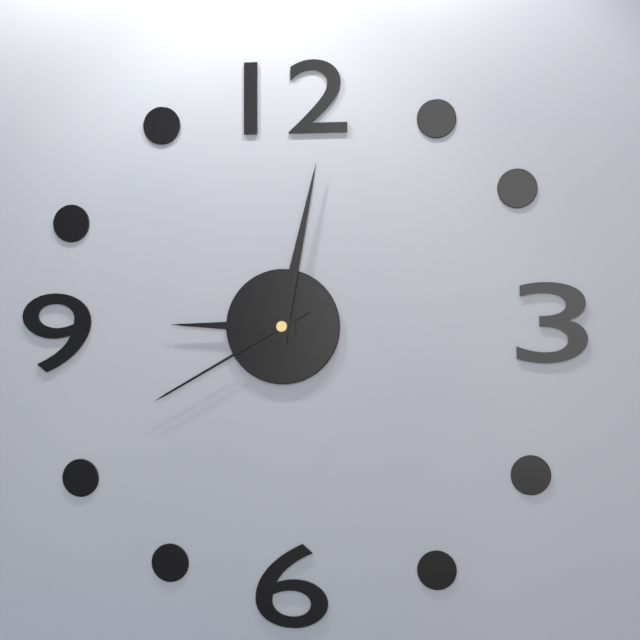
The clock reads 9h02m40s
